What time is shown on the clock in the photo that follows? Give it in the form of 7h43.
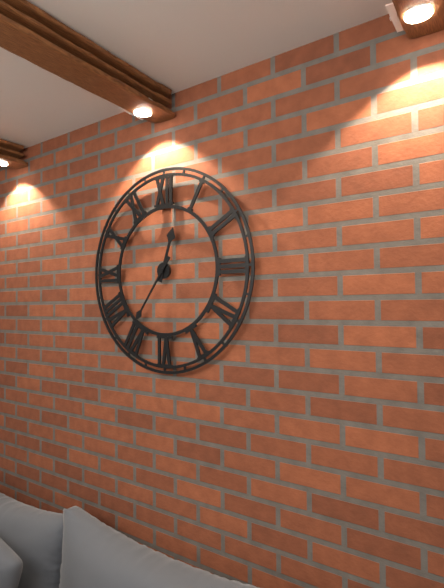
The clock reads 12h36
